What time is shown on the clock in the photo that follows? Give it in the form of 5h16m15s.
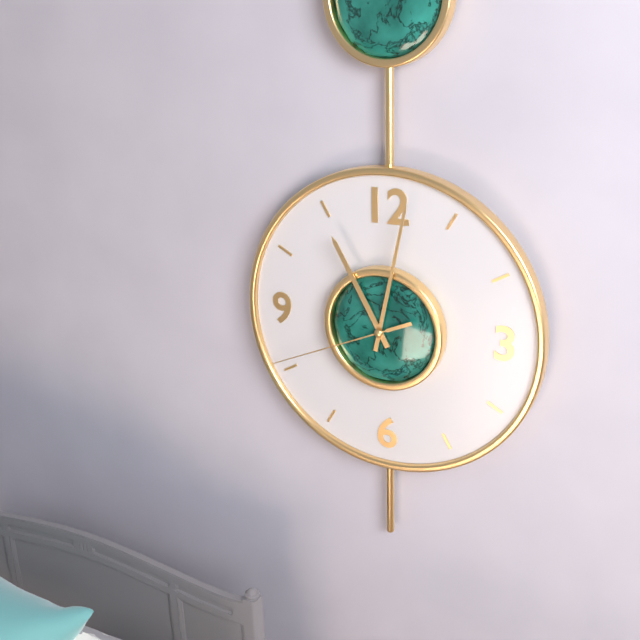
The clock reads 11h02m41s
